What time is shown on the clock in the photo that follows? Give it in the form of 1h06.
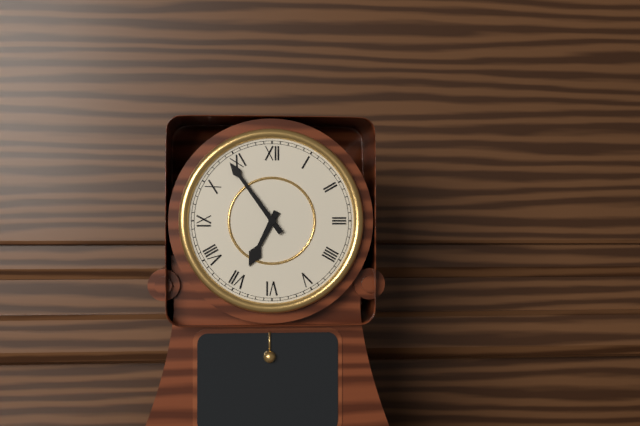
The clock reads 6h54
